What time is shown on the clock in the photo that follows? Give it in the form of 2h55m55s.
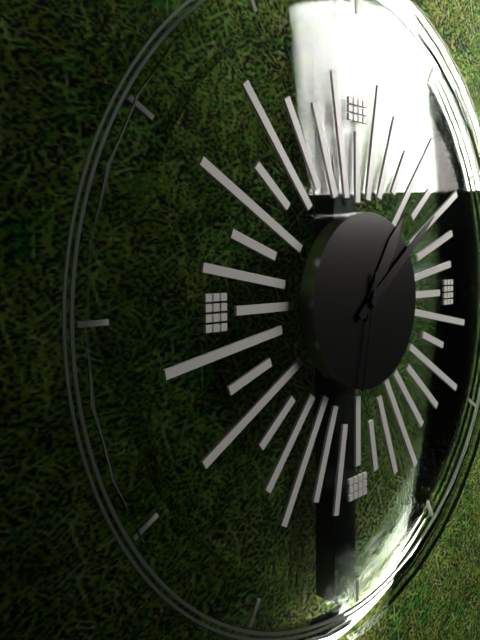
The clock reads 1h09m32s
